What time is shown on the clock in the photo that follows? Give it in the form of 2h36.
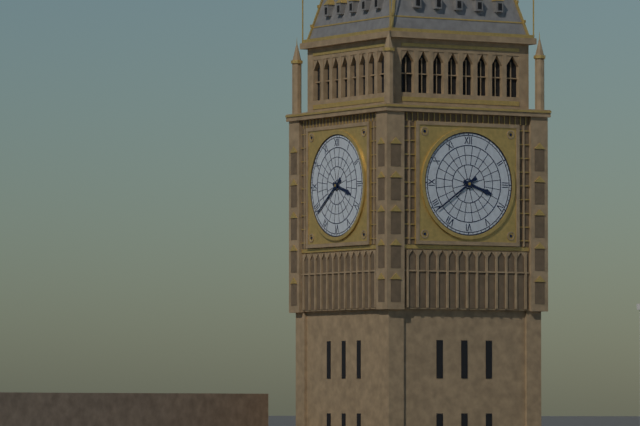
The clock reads 3h39
